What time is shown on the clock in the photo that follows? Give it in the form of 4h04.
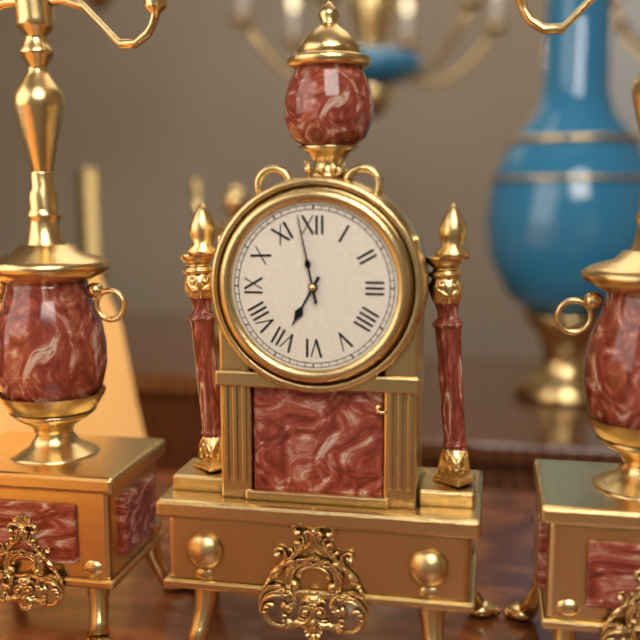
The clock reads 6h58
